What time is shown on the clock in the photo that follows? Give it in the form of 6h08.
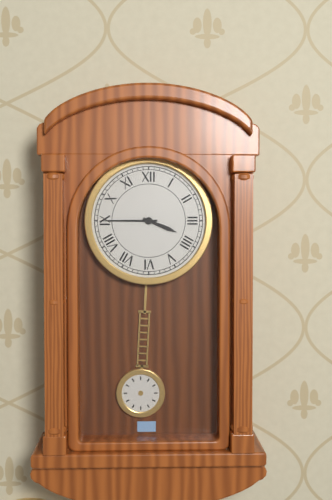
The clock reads 3h45
